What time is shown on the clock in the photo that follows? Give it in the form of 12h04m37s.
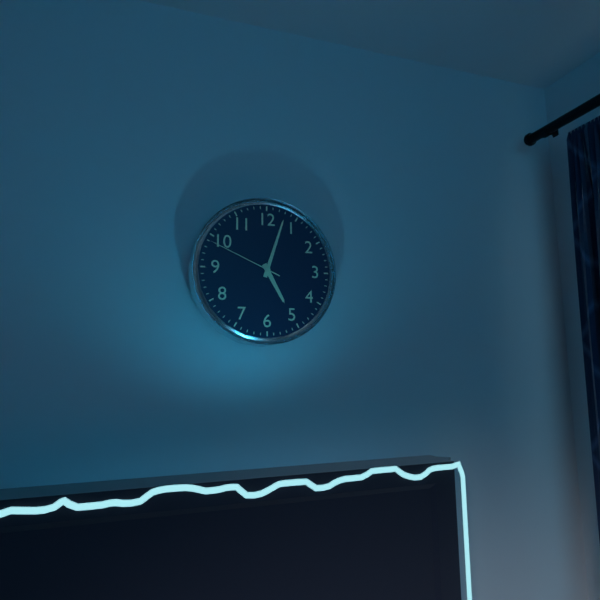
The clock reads 5h03m49s
